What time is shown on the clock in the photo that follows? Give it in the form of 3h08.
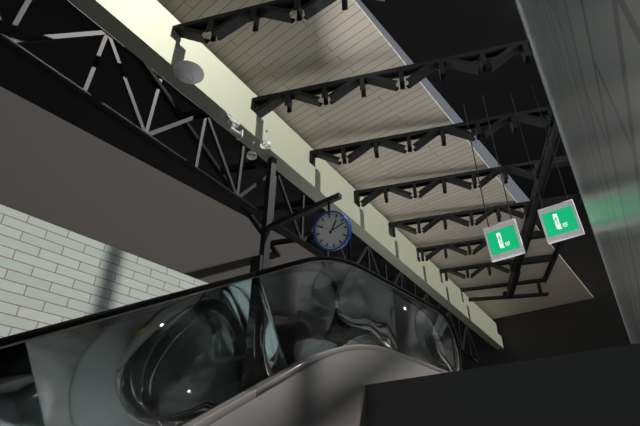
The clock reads 1h12
